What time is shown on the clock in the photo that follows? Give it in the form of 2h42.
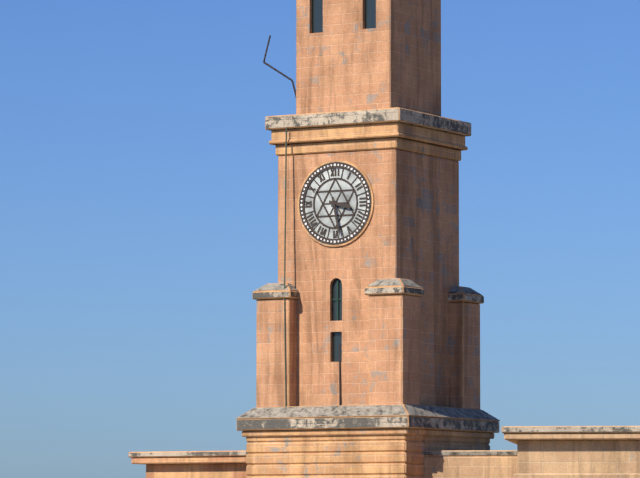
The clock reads 3h28
